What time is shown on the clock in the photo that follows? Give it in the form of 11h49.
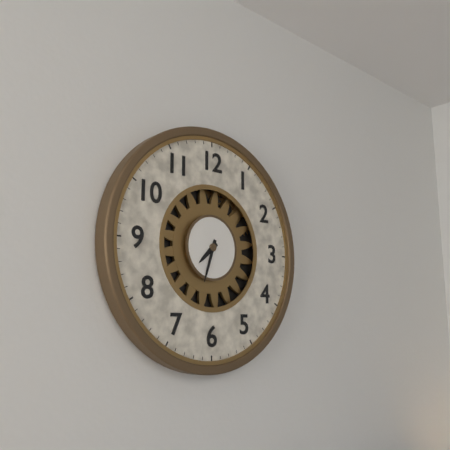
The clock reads 7h33
